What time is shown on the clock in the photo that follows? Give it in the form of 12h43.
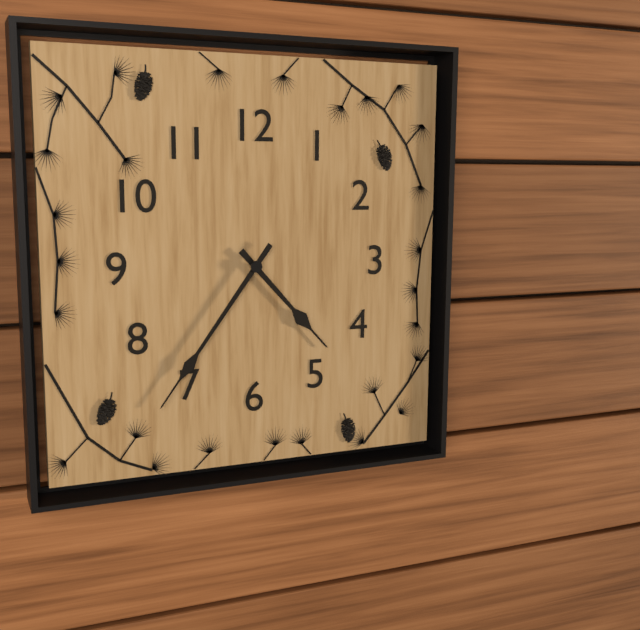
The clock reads 4h36
